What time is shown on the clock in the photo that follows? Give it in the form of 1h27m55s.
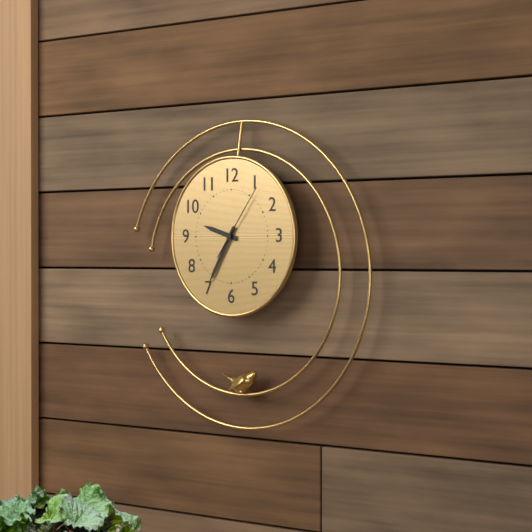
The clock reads 9h35m06s
